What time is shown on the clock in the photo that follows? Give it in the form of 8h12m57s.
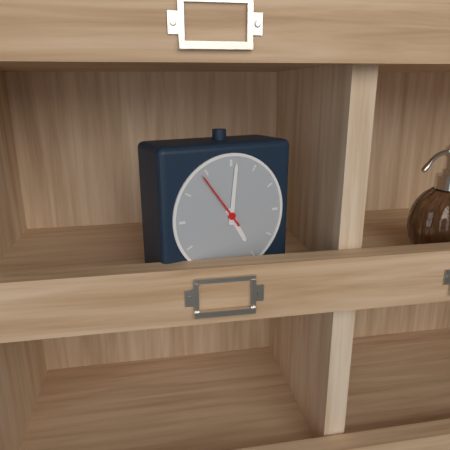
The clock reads 5h01m54s
